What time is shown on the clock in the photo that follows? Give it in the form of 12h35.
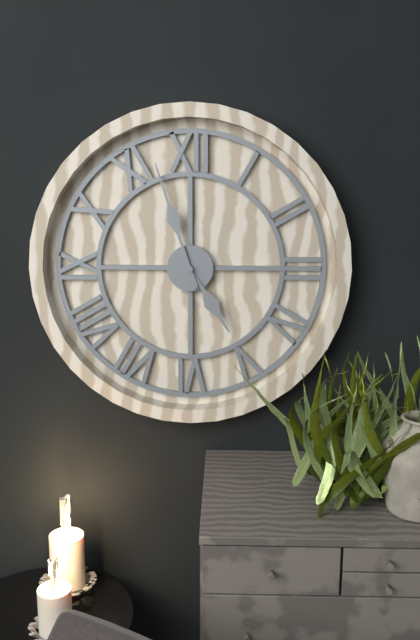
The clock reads 4h57
